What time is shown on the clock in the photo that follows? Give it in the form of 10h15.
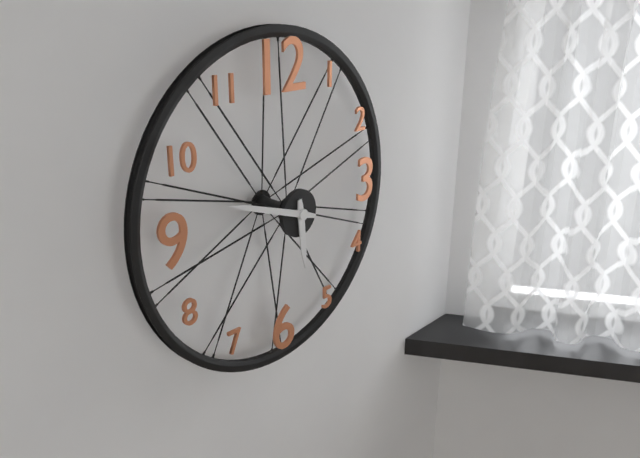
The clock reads 5h48
